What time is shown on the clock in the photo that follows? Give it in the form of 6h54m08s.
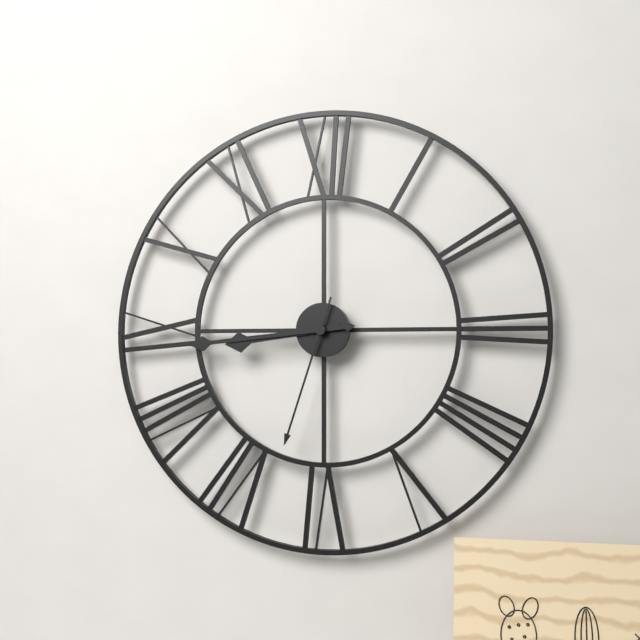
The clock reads 8h44m33s
